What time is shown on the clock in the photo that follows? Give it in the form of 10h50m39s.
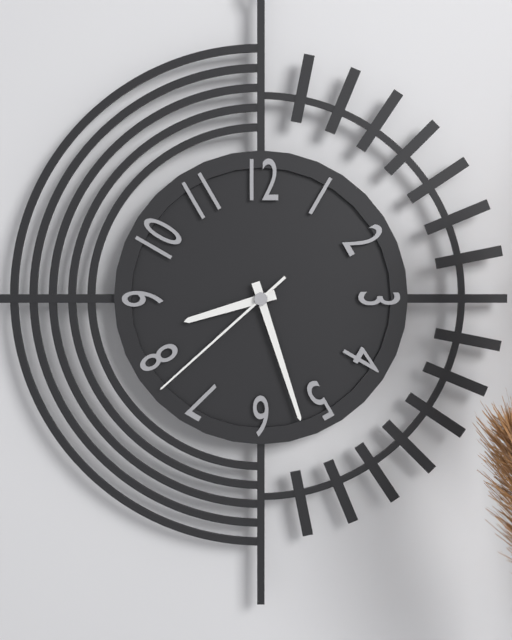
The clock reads 8h27m38s
